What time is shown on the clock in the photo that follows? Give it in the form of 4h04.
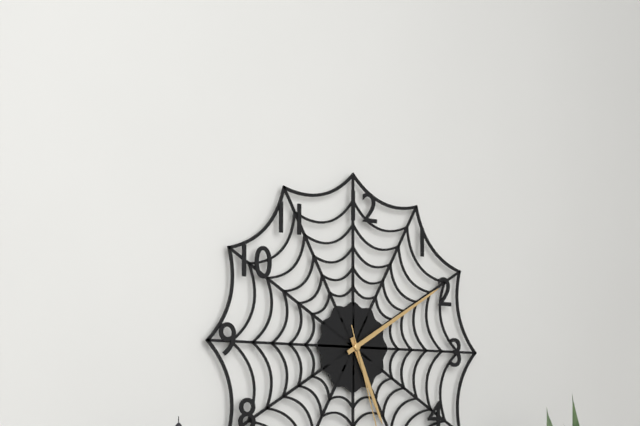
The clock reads 5h10
